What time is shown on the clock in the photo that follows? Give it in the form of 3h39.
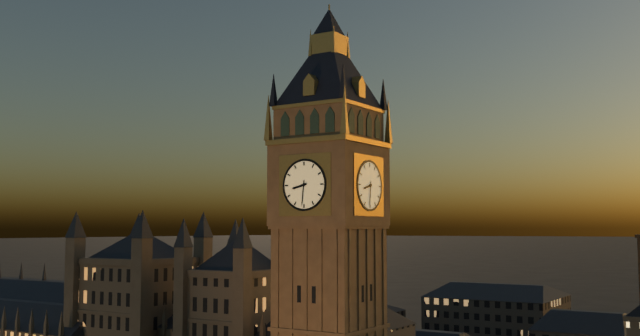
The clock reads 8h31
